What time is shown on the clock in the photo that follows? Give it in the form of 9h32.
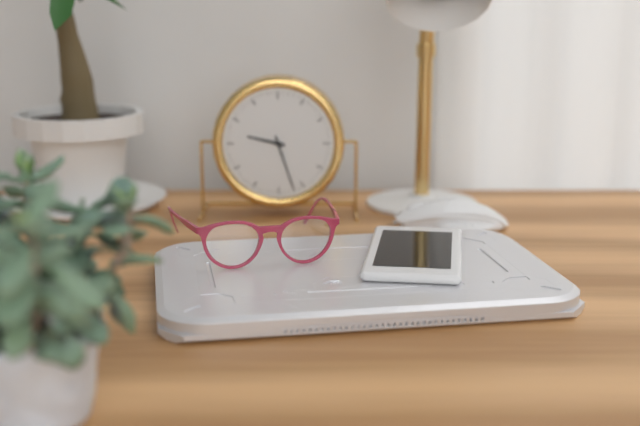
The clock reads 9h27
